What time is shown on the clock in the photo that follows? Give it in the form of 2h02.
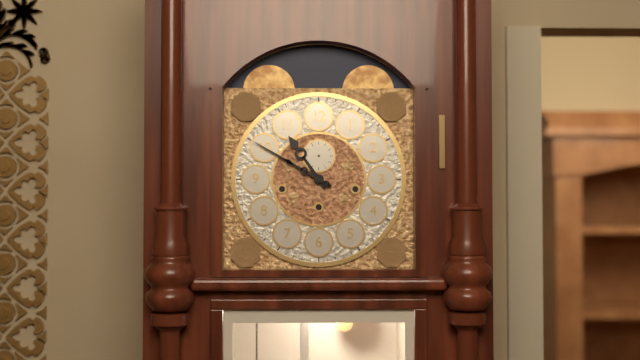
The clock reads 10h50
